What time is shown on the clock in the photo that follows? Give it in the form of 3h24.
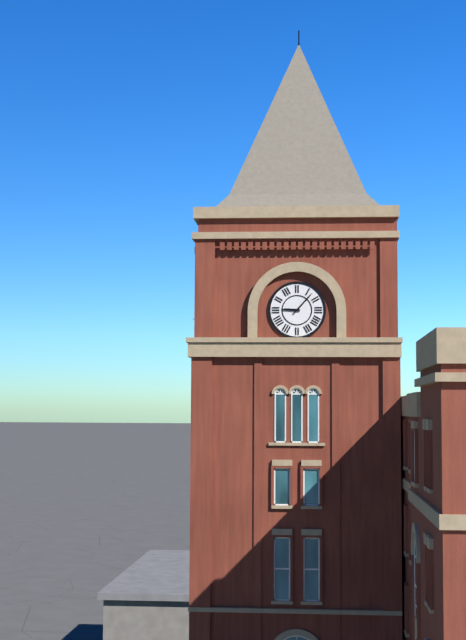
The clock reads 9h07
